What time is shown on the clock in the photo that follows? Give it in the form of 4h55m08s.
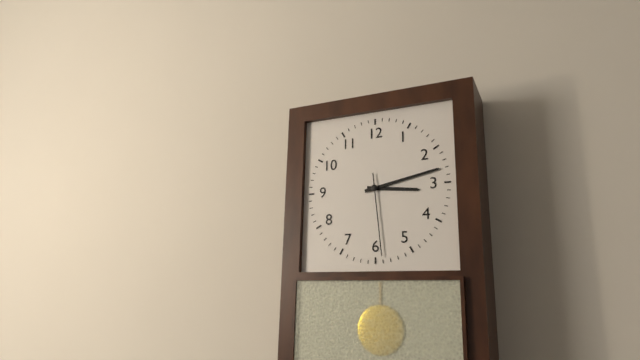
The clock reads 3h13m29s
